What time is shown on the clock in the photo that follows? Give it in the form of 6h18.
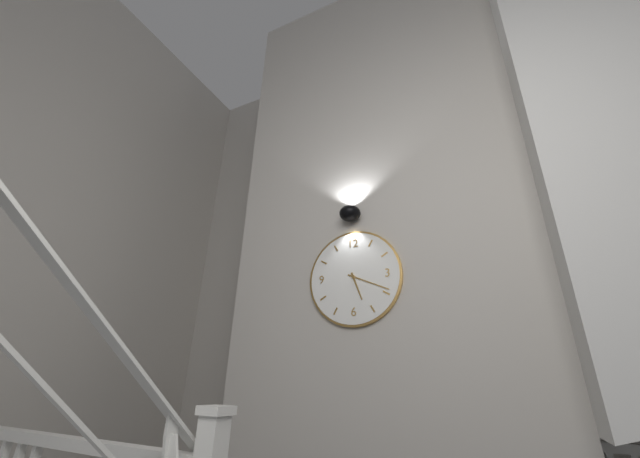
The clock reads 5h19
